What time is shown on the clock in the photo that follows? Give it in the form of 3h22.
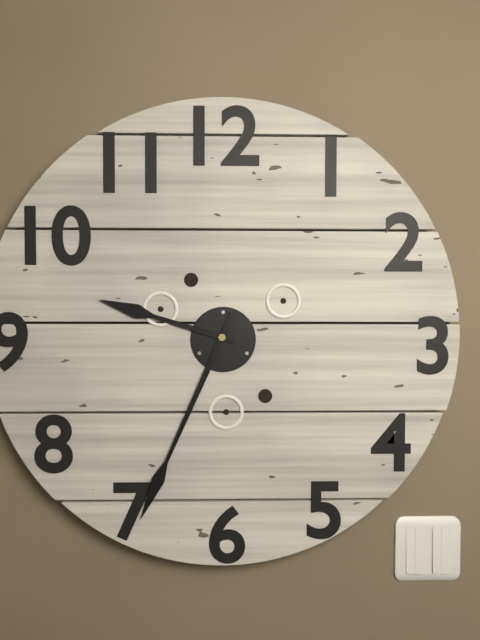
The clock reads 9h34
